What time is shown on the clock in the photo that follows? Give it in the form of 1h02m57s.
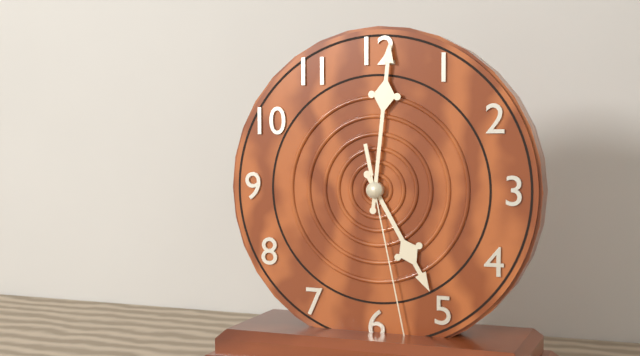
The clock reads 5h01m28s
